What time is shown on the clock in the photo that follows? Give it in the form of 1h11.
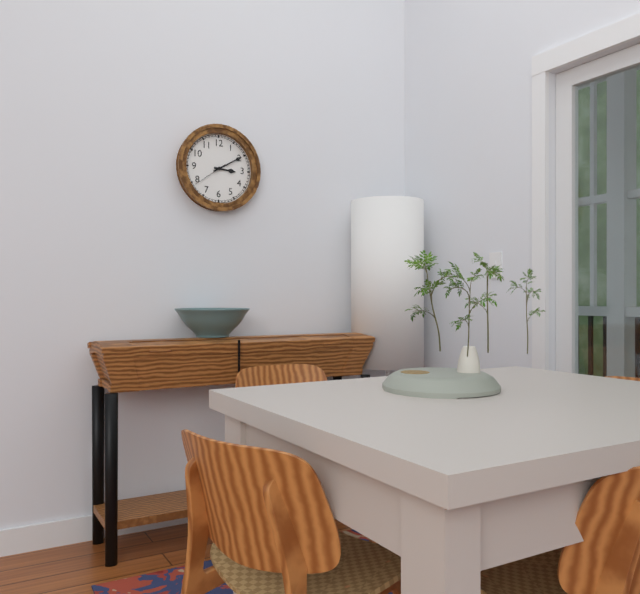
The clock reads 3h10
